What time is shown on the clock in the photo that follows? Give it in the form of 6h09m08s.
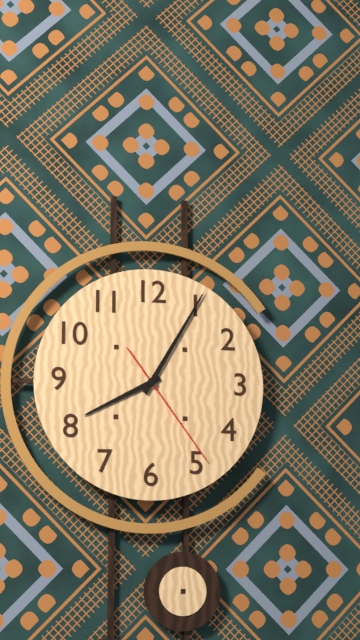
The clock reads 8h05m24s
